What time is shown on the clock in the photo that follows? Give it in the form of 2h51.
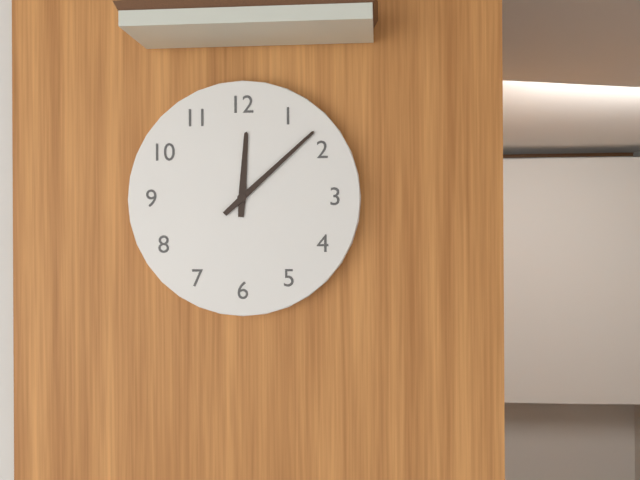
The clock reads 12h08
